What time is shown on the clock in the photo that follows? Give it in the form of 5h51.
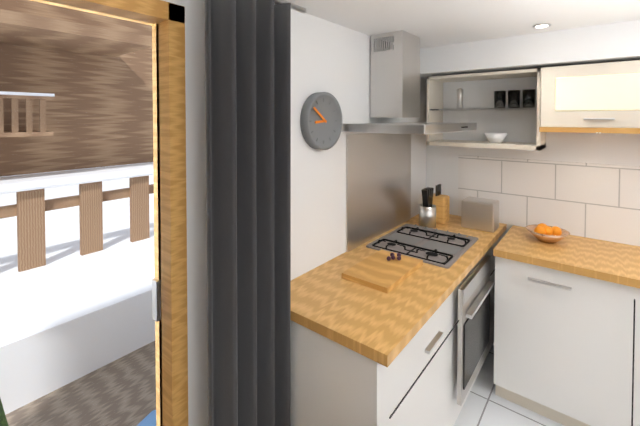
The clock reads 8h51
